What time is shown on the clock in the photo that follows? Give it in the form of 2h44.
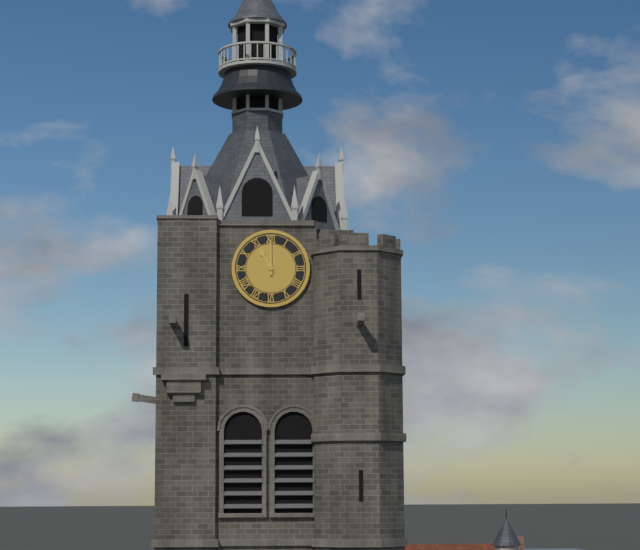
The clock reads 11h00
